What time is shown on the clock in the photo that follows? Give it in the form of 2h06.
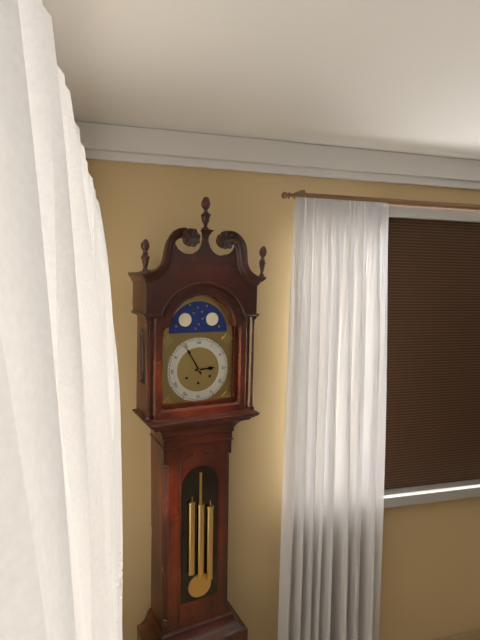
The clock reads 2h55
